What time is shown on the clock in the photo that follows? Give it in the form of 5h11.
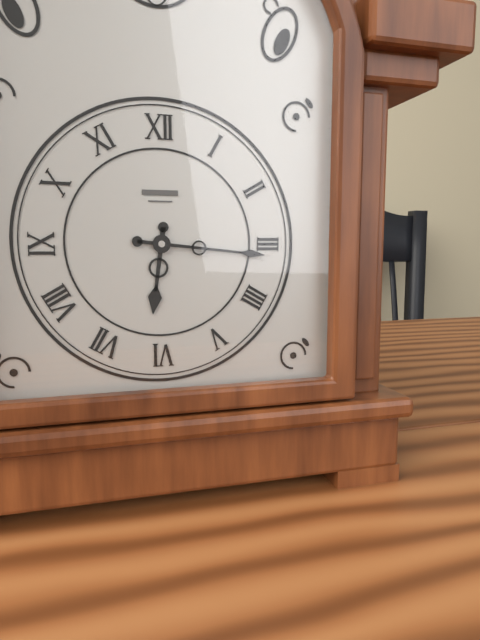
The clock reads 6h16
